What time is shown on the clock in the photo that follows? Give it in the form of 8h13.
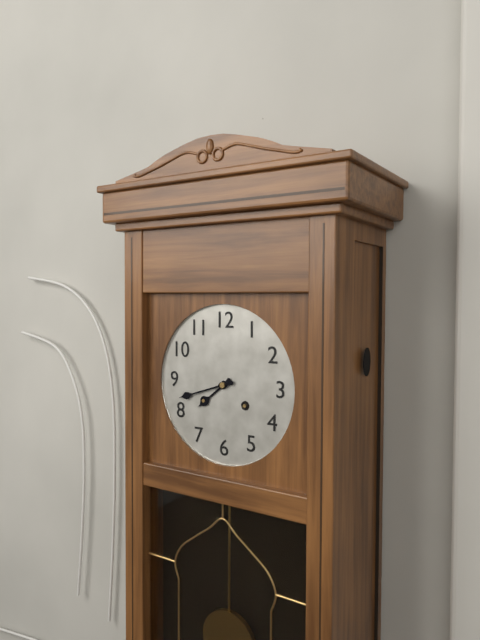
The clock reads 7h42
